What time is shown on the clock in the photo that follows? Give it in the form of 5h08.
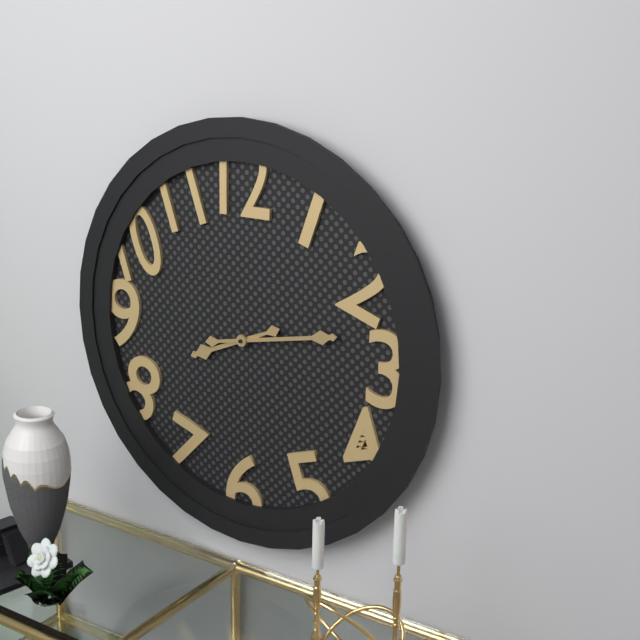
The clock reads 8h13
